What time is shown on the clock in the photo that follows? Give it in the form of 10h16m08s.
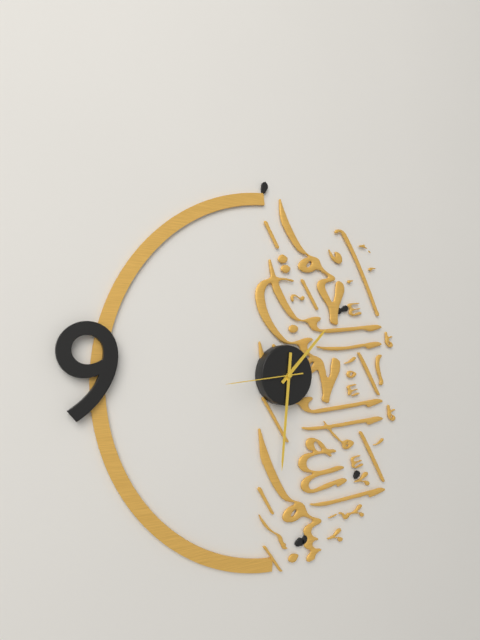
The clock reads 1h31m44s
